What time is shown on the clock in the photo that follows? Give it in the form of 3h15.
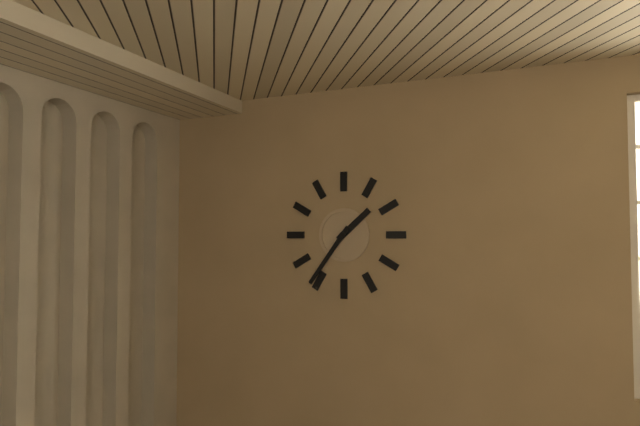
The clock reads 1h36
